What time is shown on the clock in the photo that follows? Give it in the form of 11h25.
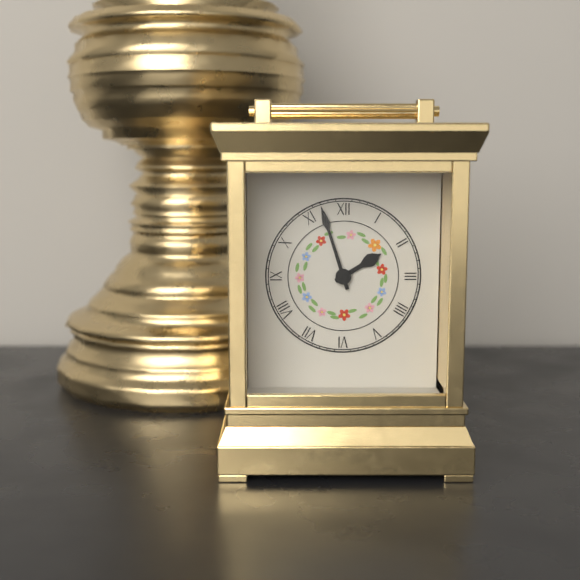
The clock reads 1h57
